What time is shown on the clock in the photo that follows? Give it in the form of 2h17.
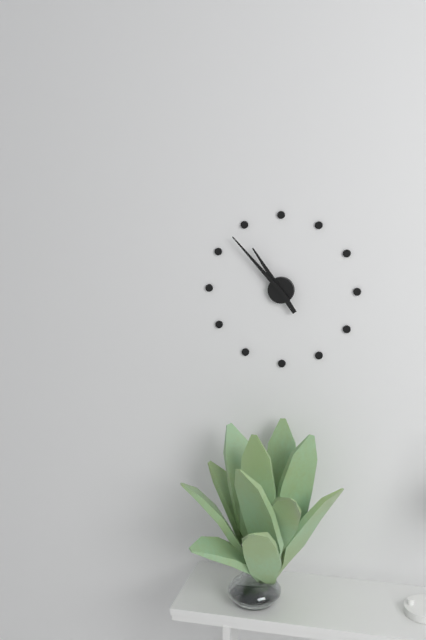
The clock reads 10h53
